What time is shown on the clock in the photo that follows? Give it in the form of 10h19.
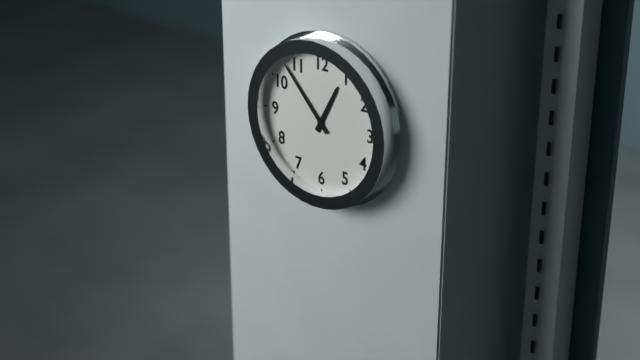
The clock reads 12h53
